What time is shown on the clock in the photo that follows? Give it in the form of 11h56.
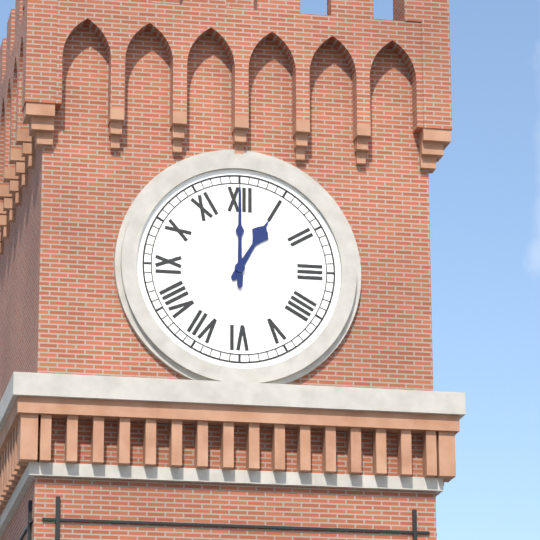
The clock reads 1h00
